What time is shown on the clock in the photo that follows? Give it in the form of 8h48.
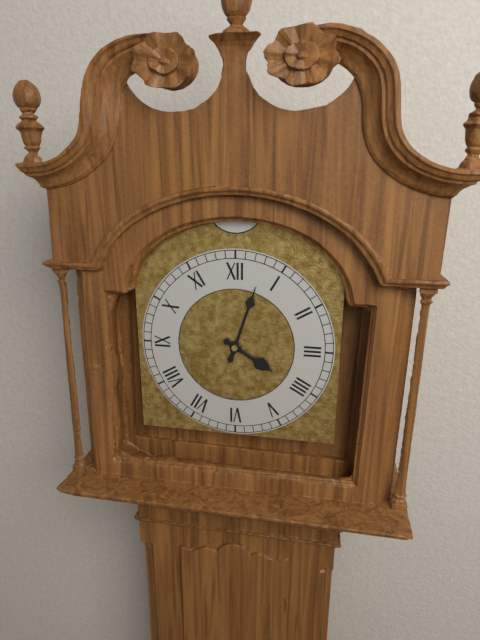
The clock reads 4h03
